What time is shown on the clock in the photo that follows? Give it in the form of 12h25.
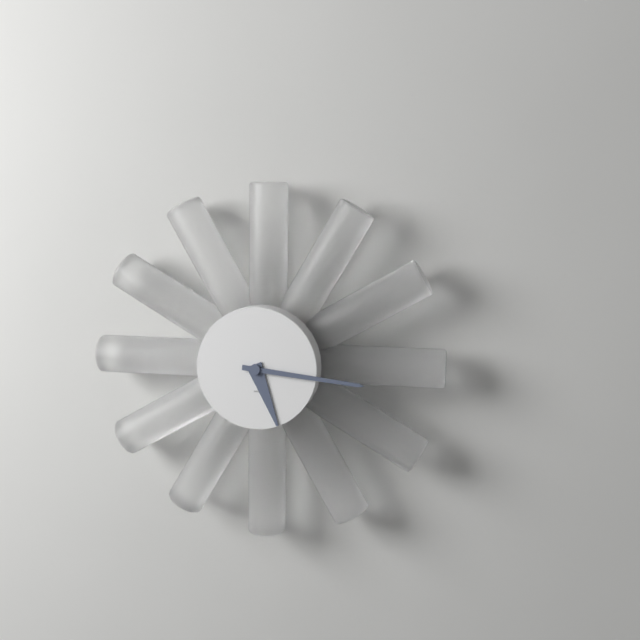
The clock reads 5h16
